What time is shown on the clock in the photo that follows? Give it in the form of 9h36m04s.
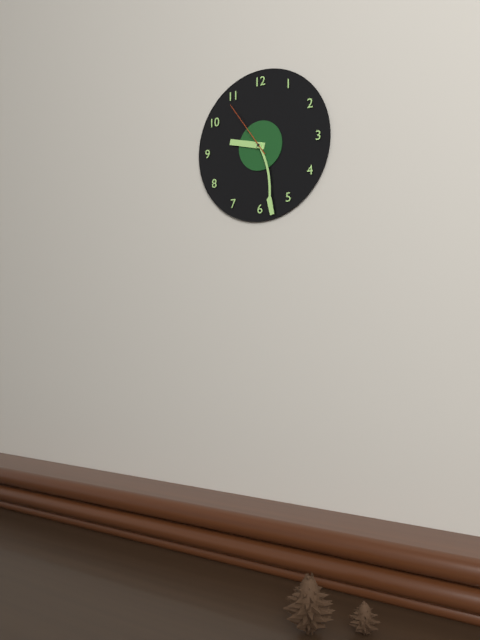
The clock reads 9h28m54s
